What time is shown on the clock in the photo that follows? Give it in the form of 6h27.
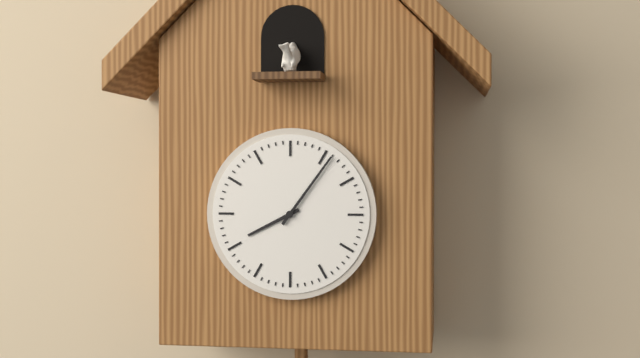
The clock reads 8h06
